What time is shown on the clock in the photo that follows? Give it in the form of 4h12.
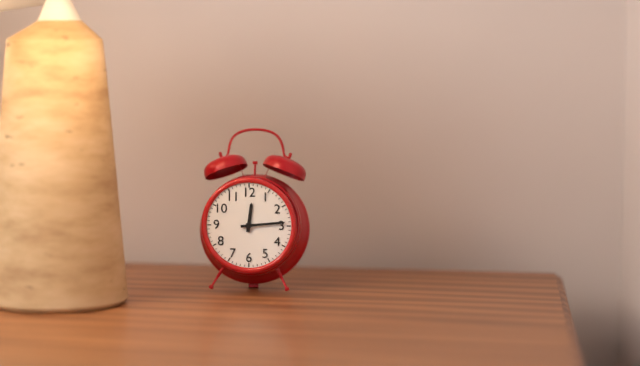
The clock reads 12h14
